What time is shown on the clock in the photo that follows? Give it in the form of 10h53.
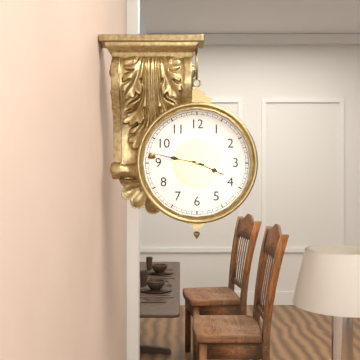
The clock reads 3h47
